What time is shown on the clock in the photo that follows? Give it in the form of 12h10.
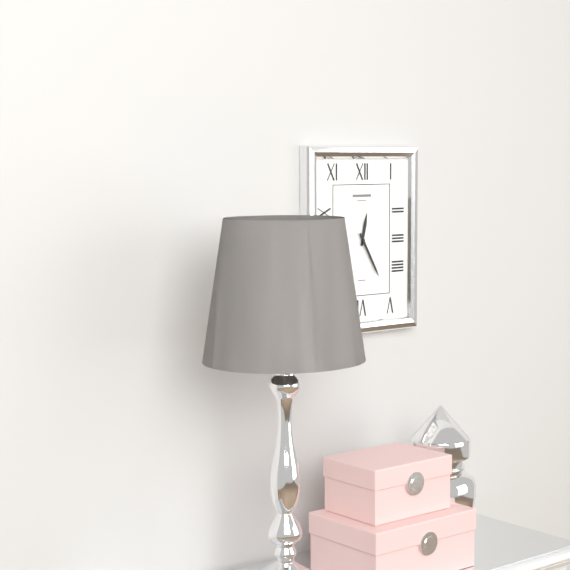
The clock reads 12h25
